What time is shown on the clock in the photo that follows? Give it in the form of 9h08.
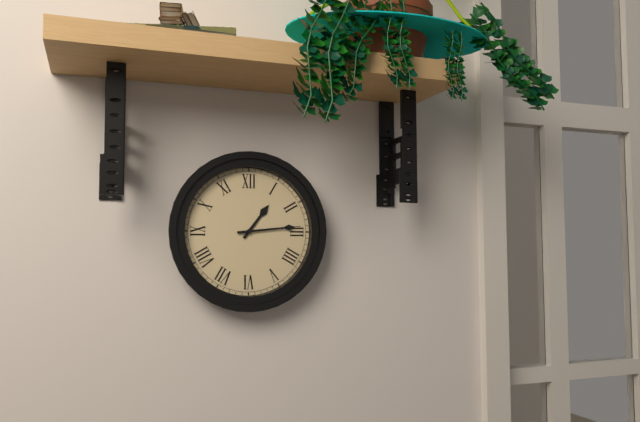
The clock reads 1h14
